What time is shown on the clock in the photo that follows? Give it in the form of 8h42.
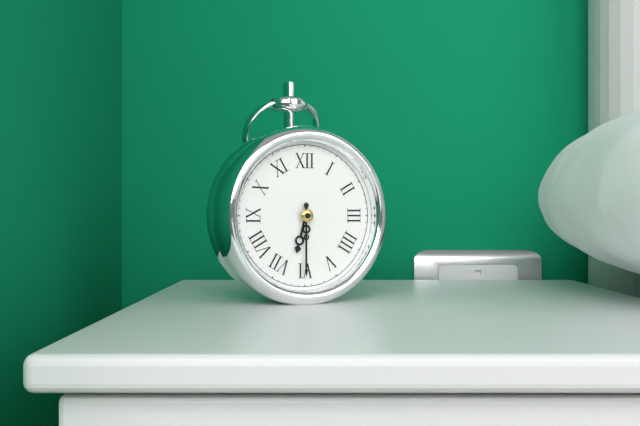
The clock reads 6h30
